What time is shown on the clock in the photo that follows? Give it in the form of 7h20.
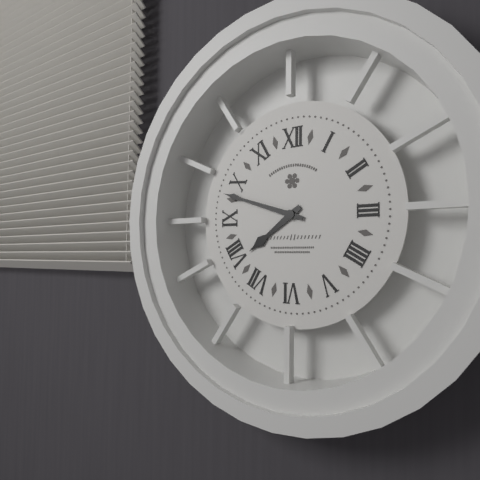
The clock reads 7h48
